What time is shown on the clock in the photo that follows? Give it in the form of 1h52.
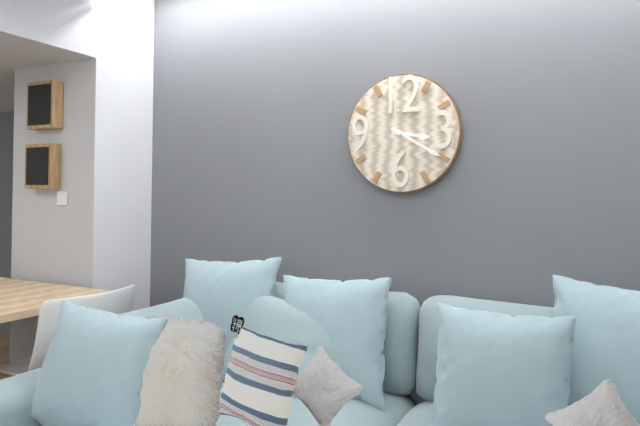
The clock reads 3h20
